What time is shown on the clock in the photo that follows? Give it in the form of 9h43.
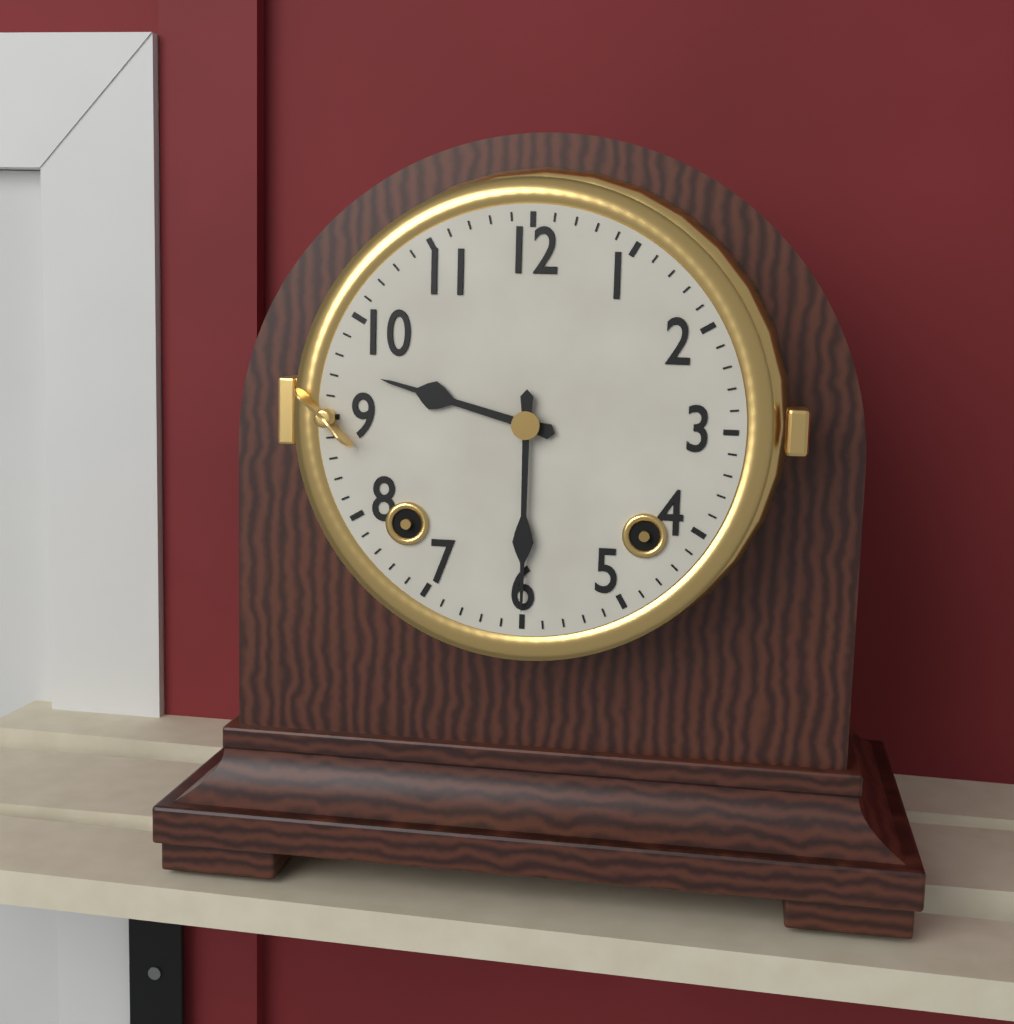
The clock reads 9h30
